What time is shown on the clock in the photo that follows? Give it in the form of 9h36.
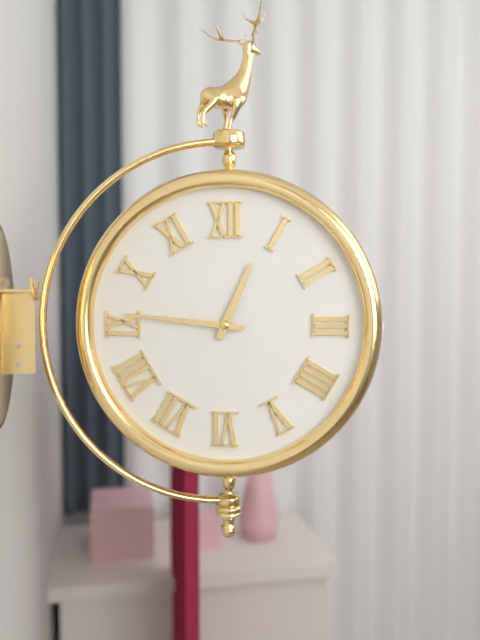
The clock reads 12h46
